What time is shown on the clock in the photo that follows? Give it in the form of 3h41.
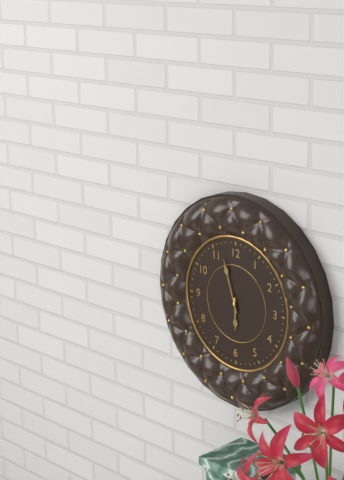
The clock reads 5h57
